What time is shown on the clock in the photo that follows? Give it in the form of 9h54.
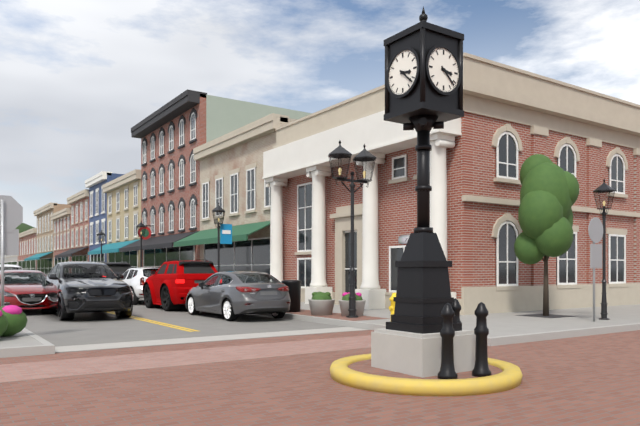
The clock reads 3h22
